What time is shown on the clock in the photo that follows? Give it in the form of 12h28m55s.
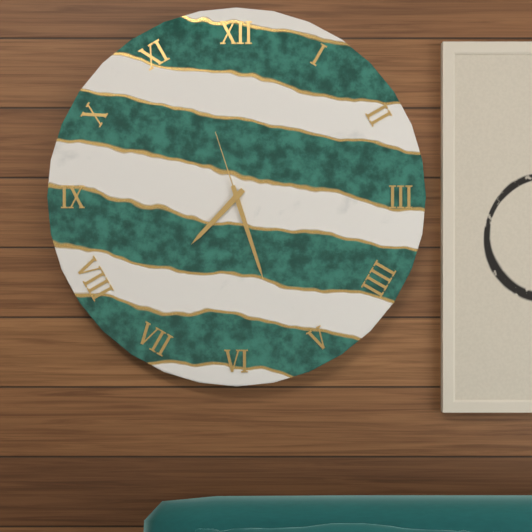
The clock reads 7h27m57s
